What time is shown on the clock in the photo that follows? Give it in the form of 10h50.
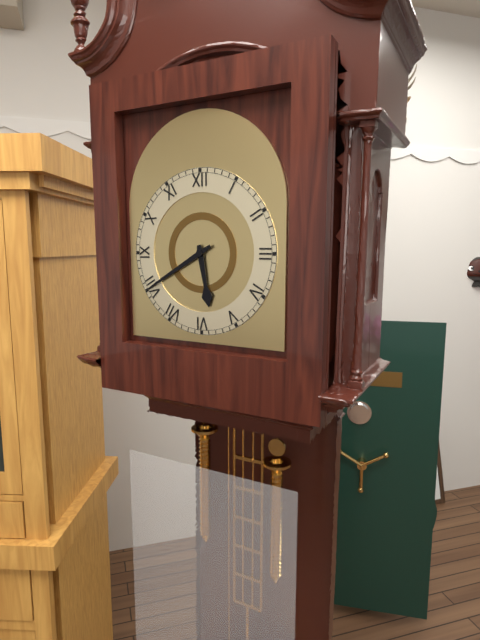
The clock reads 5h40
